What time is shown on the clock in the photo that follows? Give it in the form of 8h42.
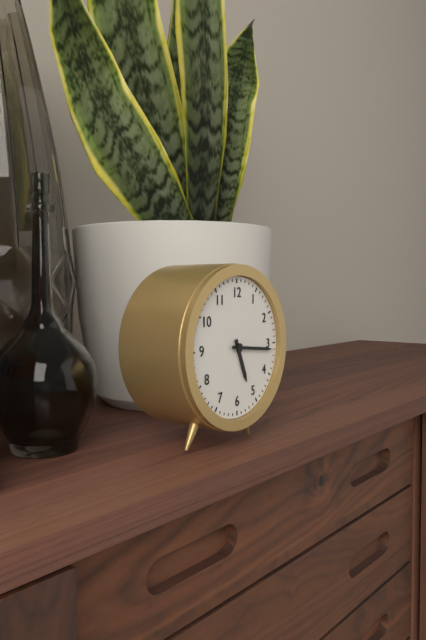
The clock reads 5h16
